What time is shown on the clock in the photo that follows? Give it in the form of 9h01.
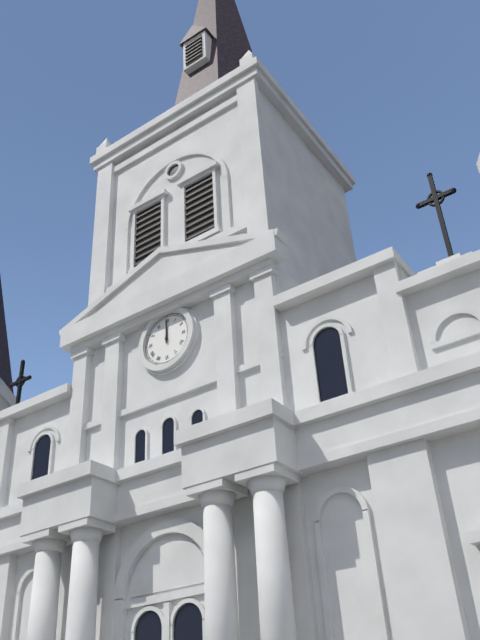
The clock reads 12h00
